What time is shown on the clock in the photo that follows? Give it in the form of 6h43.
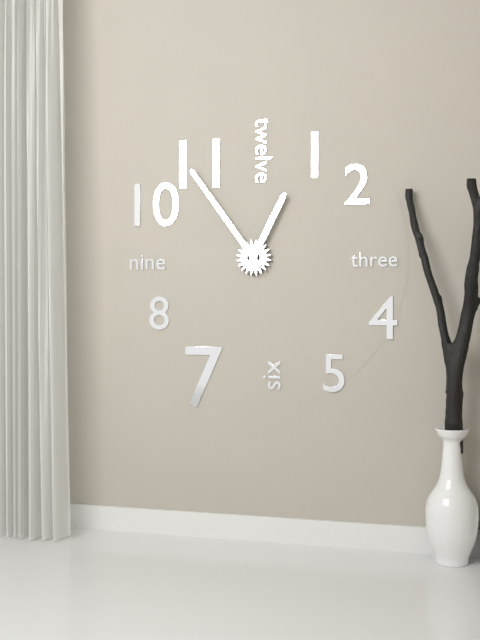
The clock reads 12h54
